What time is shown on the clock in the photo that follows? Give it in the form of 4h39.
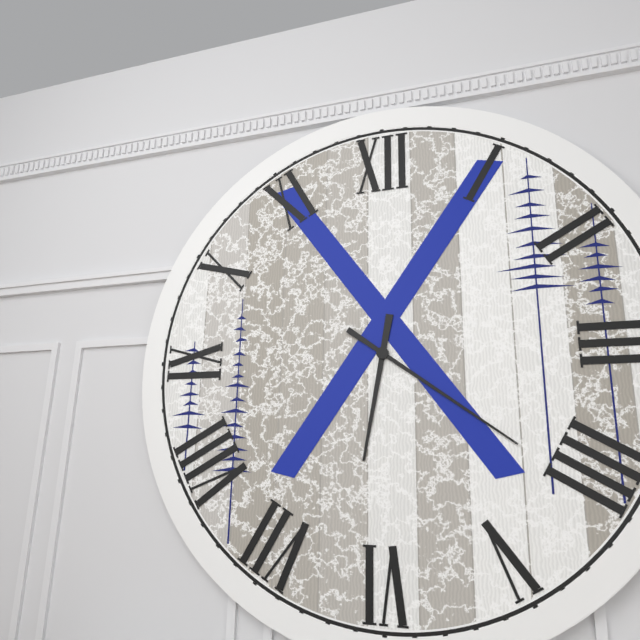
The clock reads 6h21
